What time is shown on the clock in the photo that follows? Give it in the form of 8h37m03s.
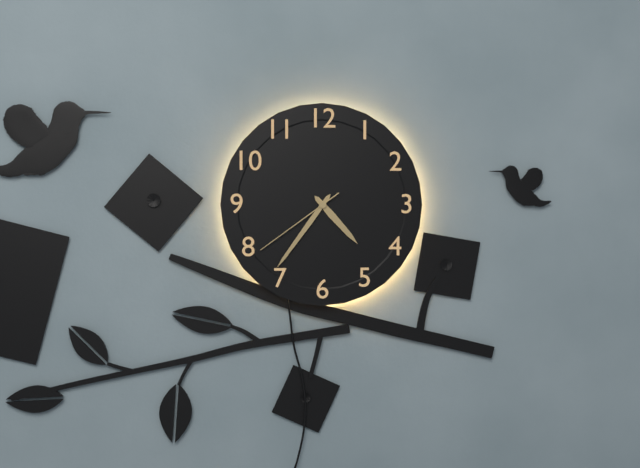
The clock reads 4h36m39s
